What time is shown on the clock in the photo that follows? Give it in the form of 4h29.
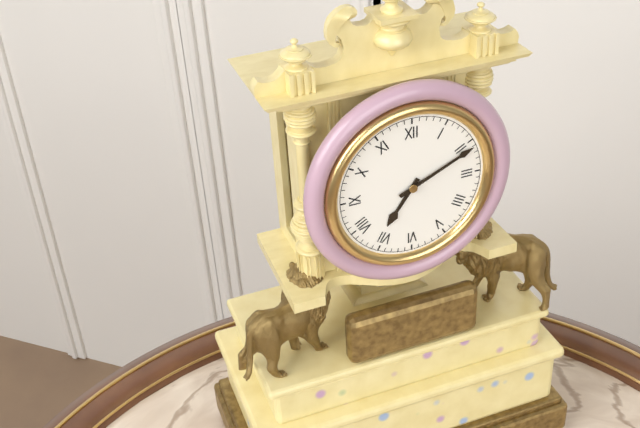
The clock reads 7h11
